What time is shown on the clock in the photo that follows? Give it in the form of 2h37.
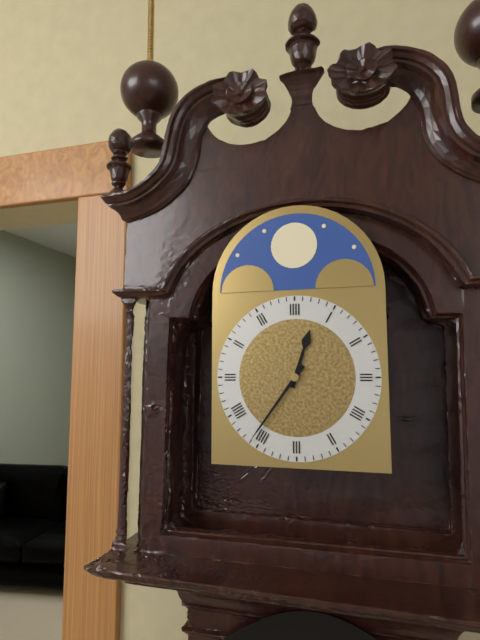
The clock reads 12h36
